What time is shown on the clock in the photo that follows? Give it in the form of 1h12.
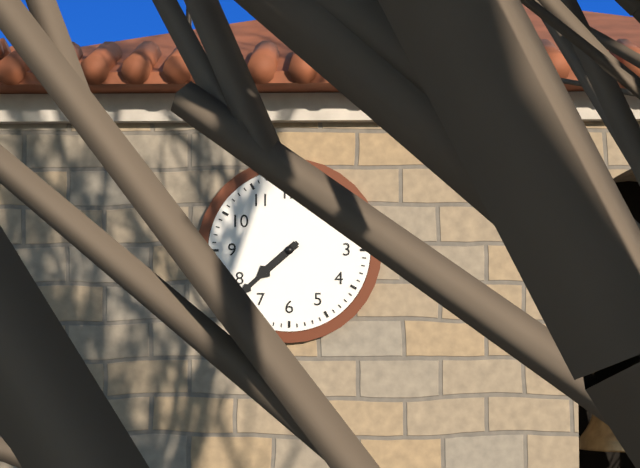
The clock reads 7h38
